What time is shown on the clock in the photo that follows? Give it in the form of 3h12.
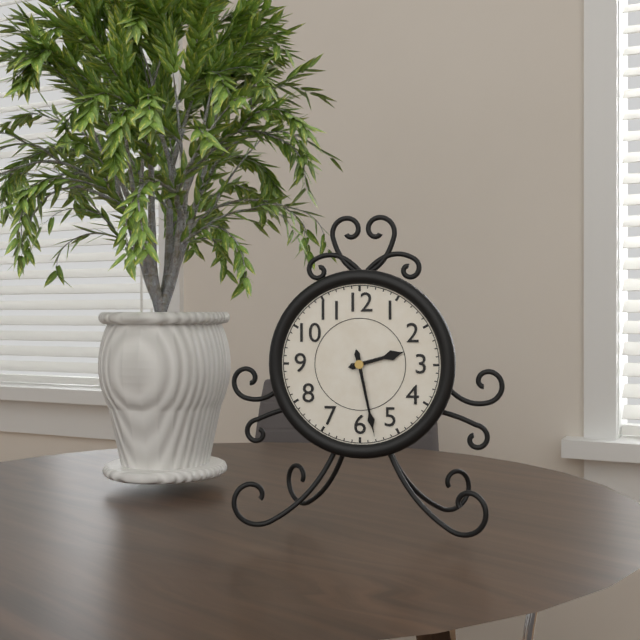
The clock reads 2h28
